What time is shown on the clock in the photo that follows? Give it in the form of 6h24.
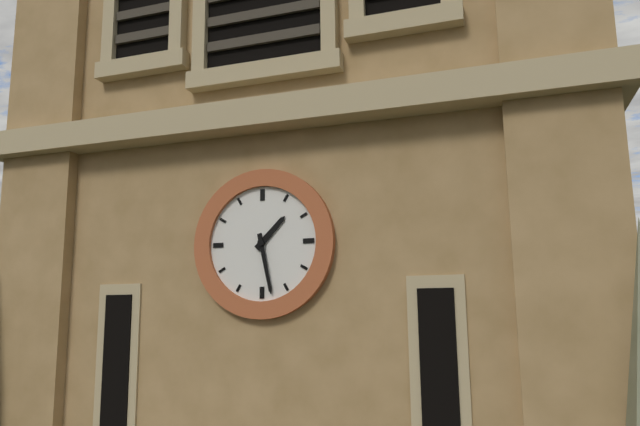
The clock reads 1h28
